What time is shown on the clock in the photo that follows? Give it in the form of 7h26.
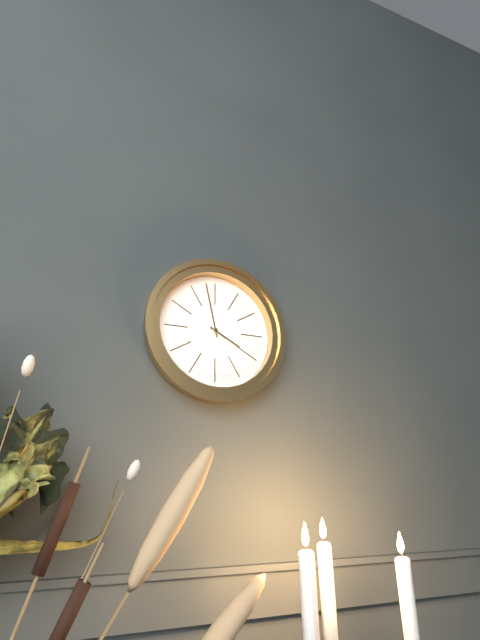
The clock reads 3h58
